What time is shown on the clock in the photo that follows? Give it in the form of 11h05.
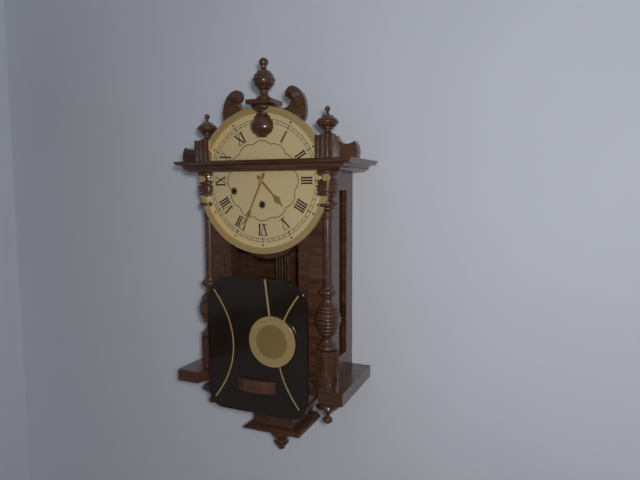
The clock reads 4h34
